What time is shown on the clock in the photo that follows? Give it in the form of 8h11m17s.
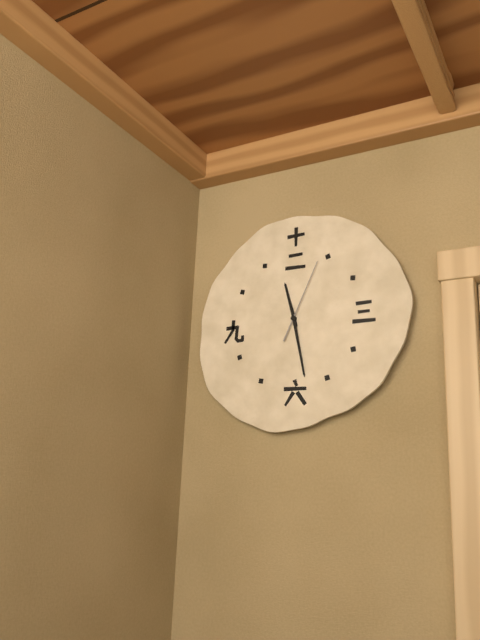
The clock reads 11h28m04s
